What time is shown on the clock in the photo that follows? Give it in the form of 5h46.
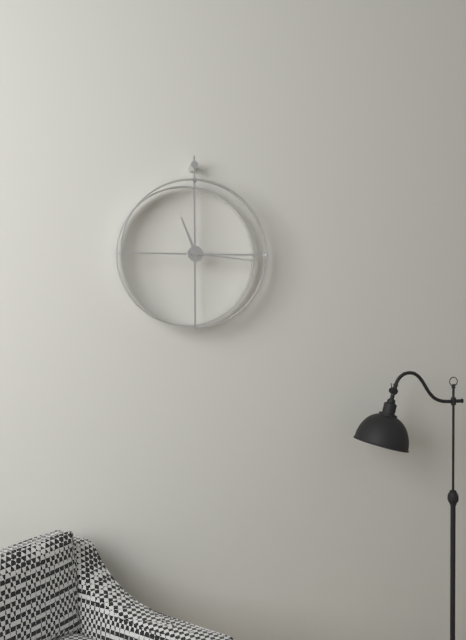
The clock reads 11h16
